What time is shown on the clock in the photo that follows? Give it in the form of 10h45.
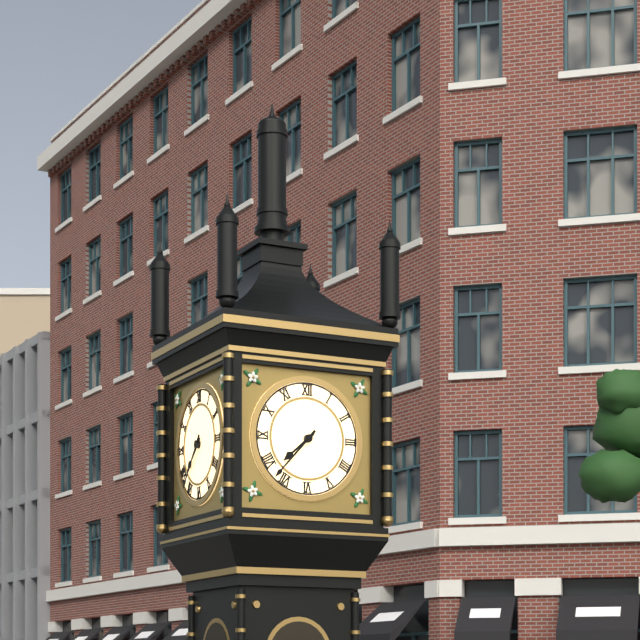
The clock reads 7h37
